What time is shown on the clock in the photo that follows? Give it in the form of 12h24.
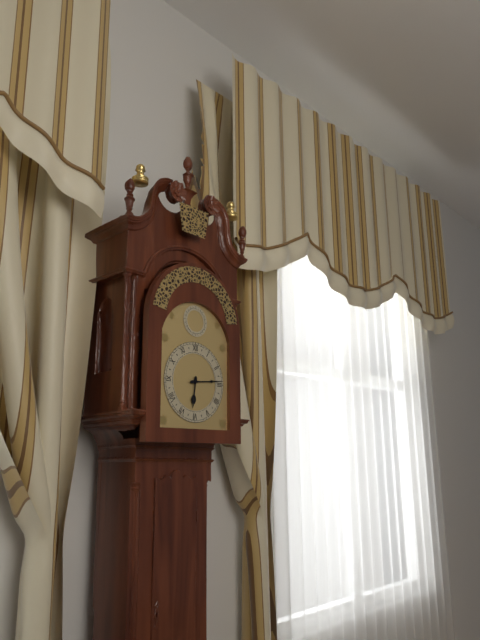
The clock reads 6h14
